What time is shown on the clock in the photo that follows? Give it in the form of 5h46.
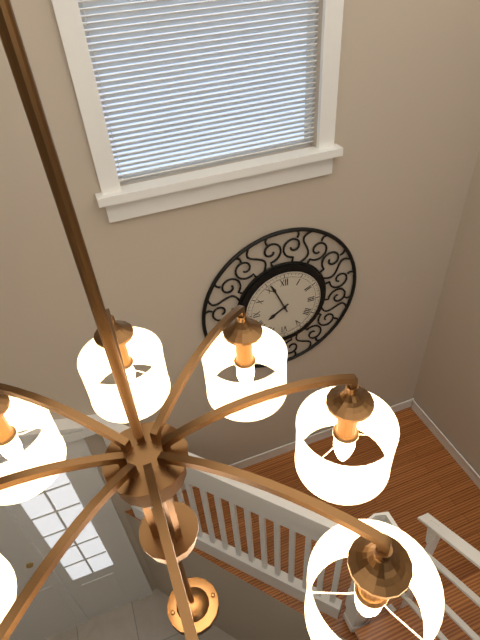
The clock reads 7h56
